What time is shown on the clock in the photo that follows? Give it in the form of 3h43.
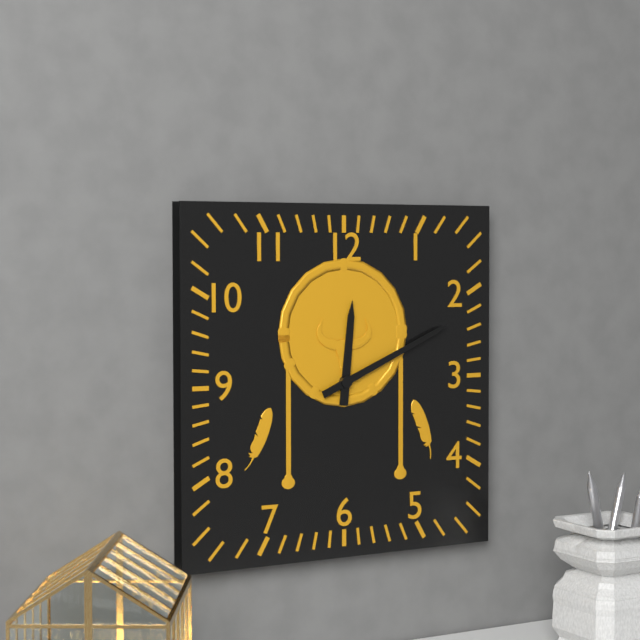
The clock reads 12h11
